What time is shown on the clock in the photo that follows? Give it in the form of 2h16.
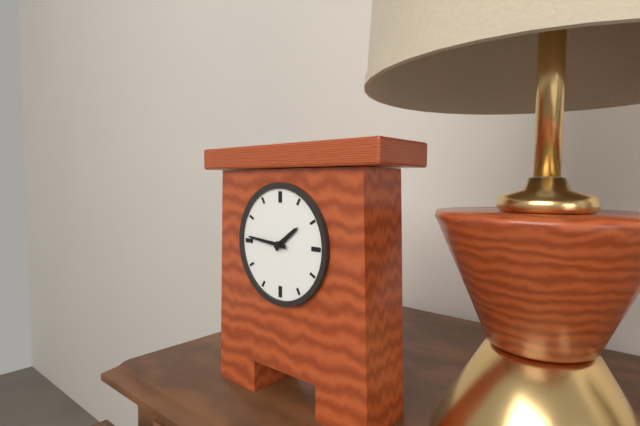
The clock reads 1h46
